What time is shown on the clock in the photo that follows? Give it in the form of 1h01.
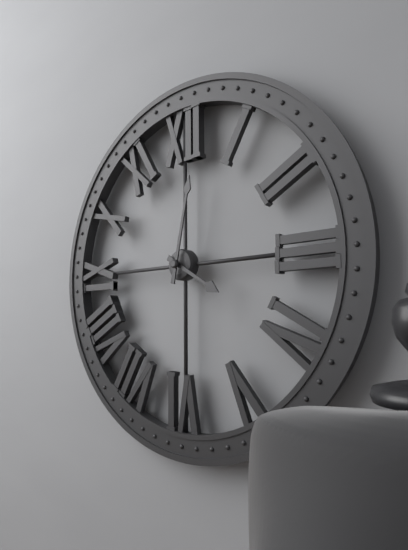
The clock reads 4h02
